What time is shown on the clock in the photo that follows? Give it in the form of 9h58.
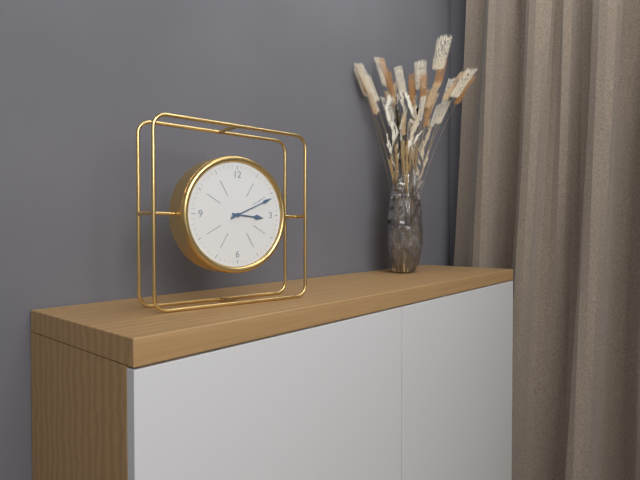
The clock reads 3h11
